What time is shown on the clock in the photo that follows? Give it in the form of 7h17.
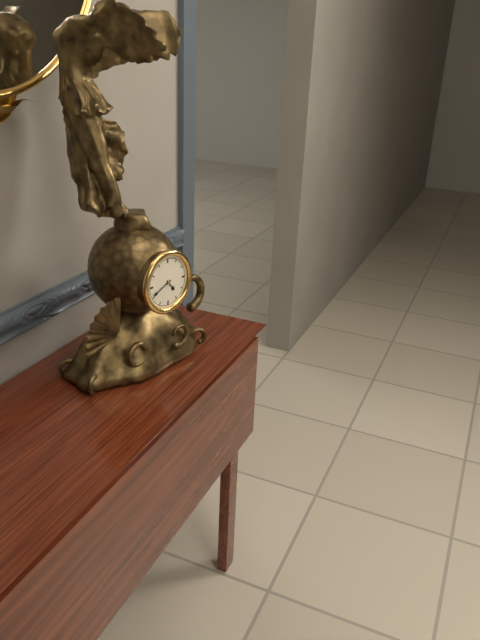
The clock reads 4h41
